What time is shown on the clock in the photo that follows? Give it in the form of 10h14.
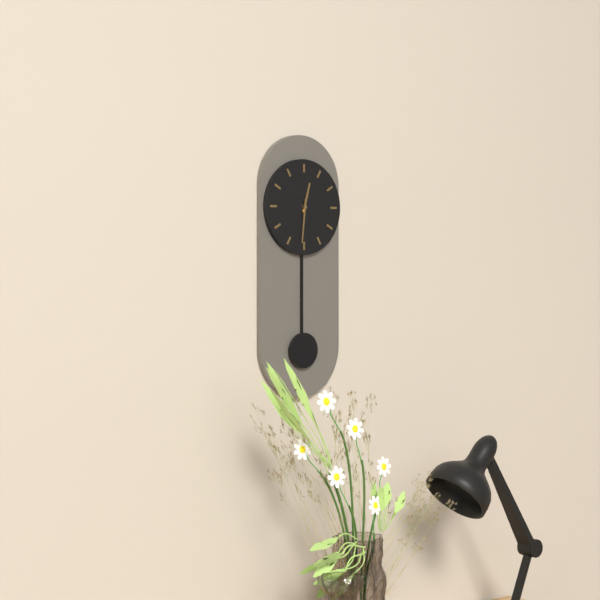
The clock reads 12h31
